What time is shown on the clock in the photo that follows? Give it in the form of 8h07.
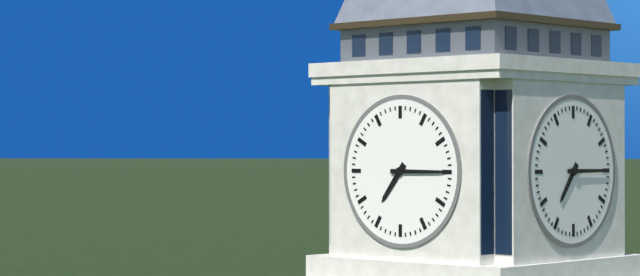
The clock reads 7h15
